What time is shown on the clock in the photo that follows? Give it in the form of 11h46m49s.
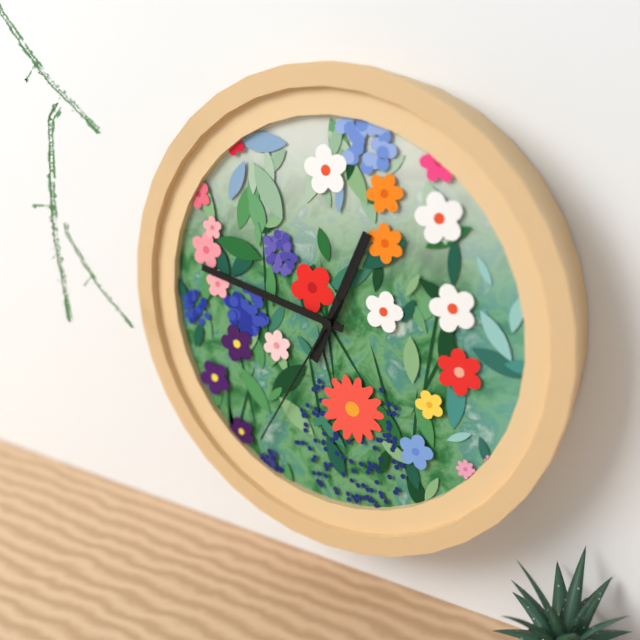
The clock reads 12h47m35s
